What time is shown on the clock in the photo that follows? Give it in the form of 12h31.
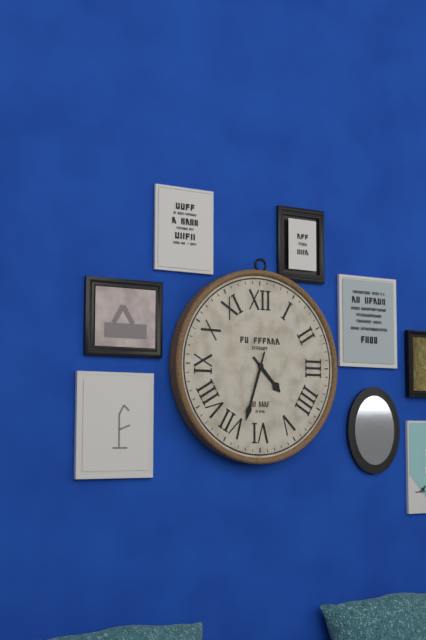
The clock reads 4h33
